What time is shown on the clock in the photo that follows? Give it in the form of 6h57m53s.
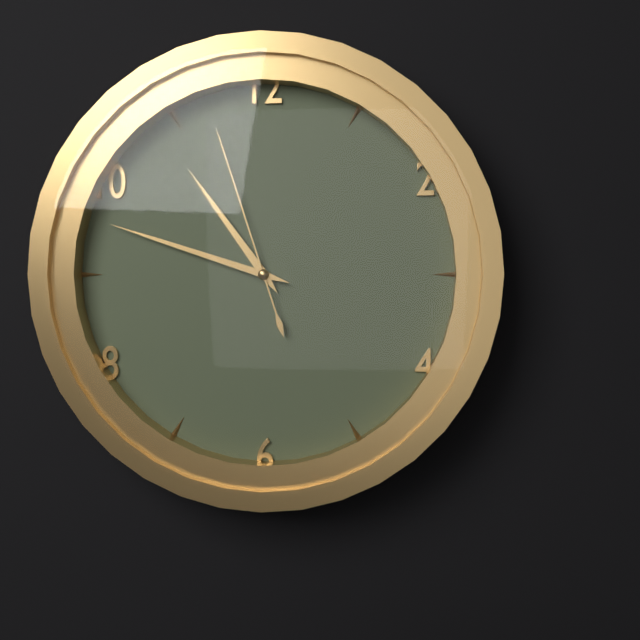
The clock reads 10h48m57s
